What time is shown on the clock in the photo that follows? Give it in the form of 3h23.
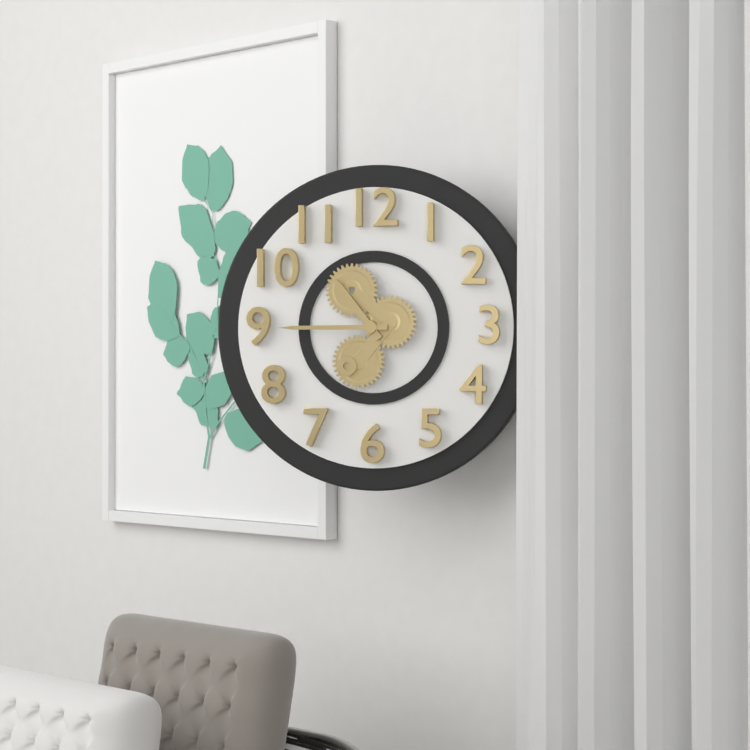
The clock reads 10h45
